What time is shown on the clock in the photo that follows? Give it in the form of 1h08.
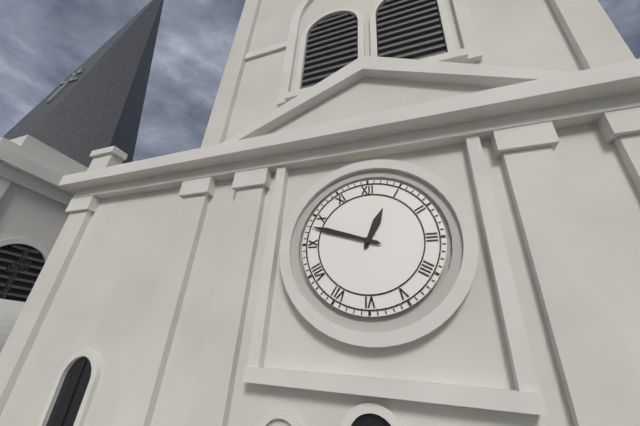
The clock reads 12h48
